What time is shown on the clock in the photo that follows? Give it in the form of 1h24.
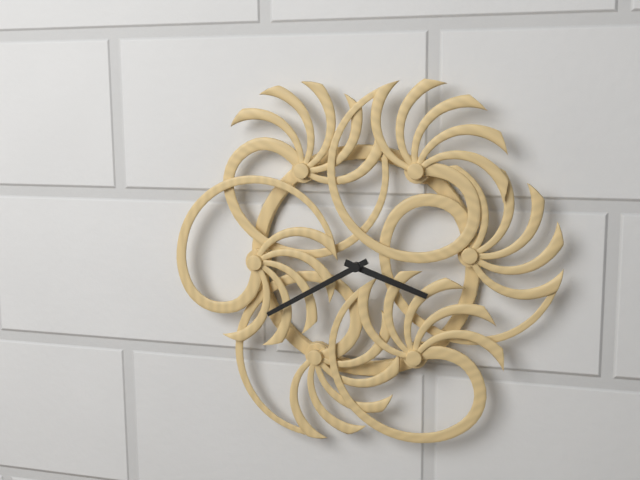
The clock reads 3h40
